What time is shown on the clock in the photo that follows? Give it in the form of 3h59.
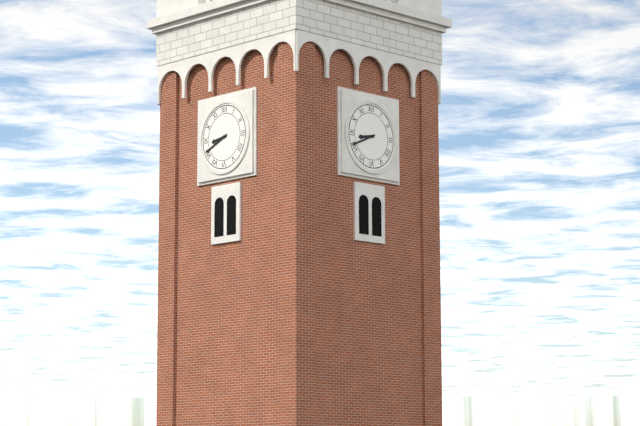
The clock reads 8h41
